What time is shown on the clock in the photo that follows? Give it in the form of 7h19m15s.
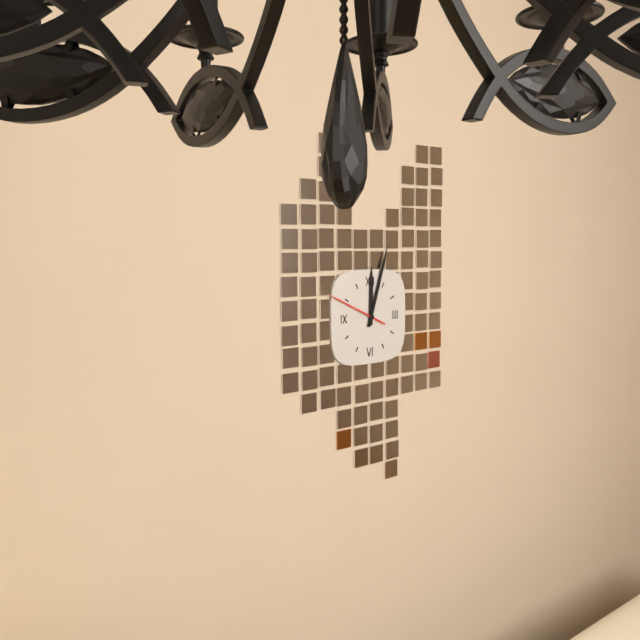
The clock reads 12h03m49s
